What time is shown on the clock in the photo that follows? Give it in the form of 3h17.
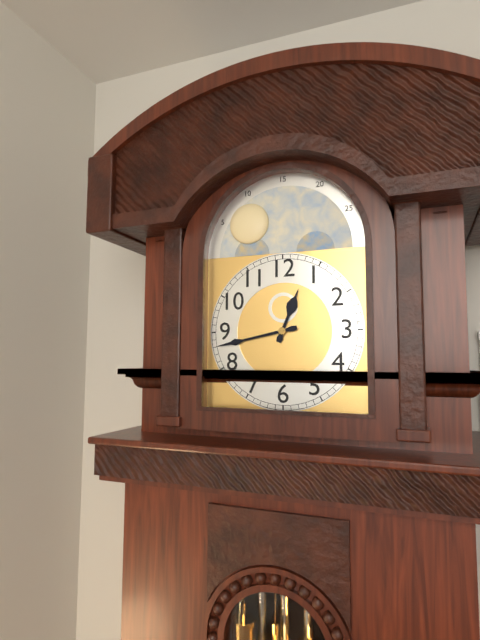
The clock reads 12h43
